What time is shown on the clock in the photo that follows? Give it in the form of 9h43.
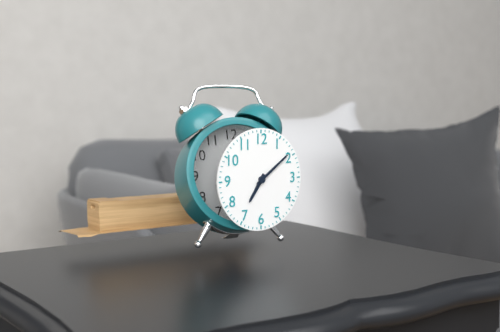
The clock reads 7h09
